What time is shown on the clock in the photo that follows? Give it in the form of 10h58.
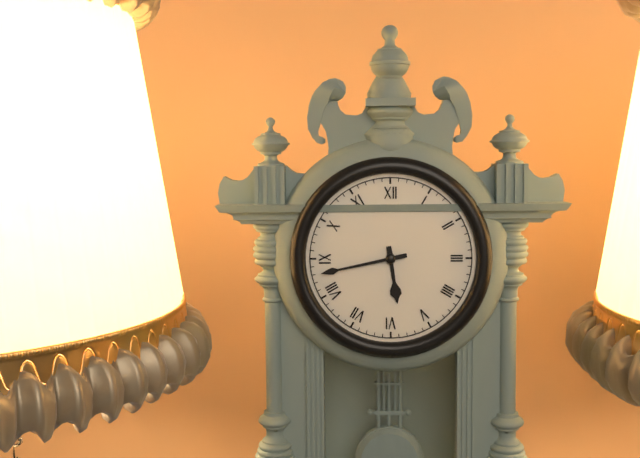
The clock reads 5h43
